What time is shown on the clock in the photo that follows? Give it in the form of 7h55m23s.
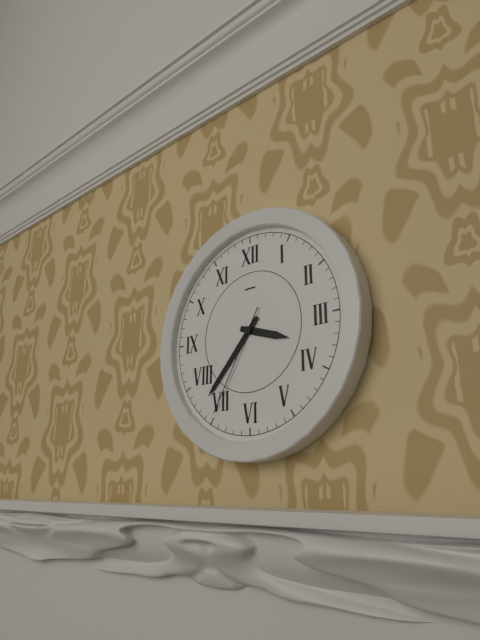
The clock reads 3h37m35s
